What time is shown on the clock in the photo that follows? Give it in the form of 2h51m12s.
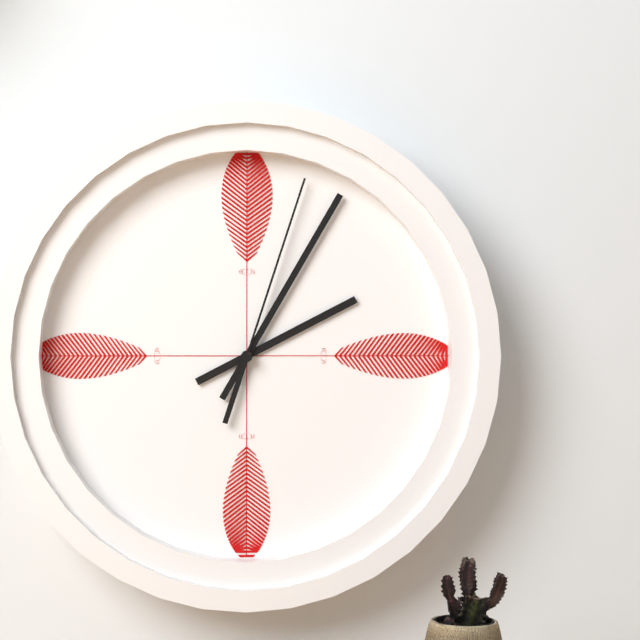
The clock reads 2h05m03s
